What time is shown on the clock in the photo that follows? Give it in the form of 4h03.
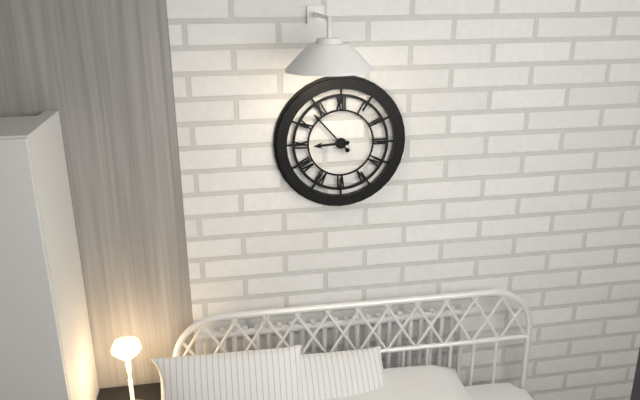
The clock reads 8h53
